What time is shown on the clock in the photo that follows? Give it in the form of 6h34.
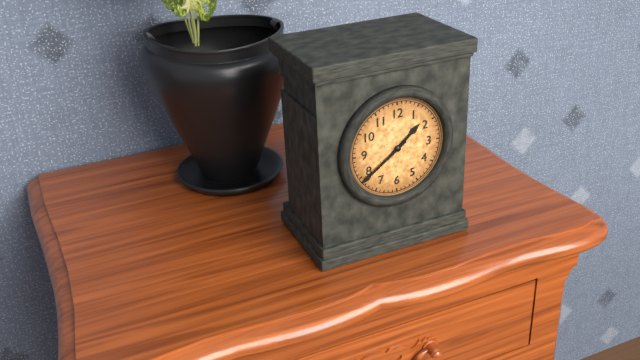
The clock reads 1h39
